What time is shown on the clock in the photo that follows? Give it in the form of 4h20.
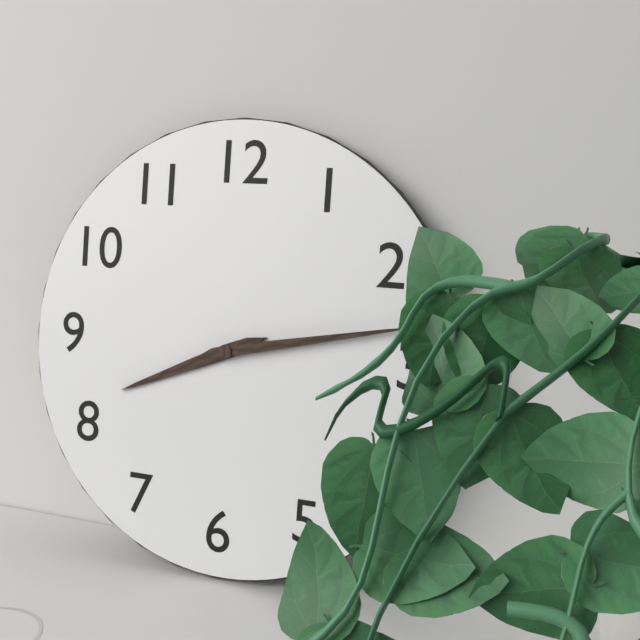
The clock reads 8h13
